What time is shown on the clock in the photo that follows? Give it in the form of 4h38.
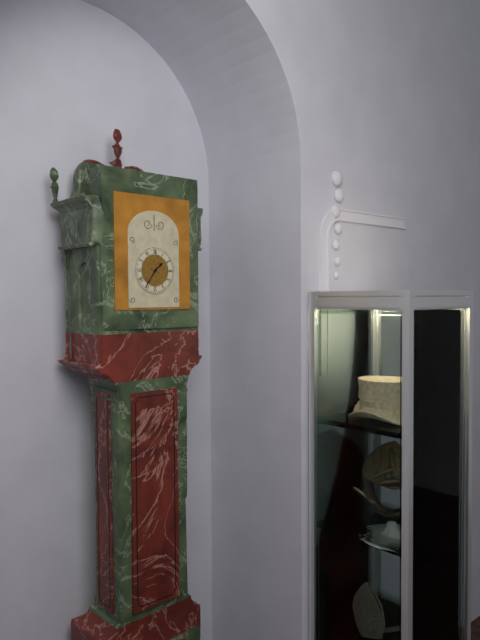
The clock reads 1h36
